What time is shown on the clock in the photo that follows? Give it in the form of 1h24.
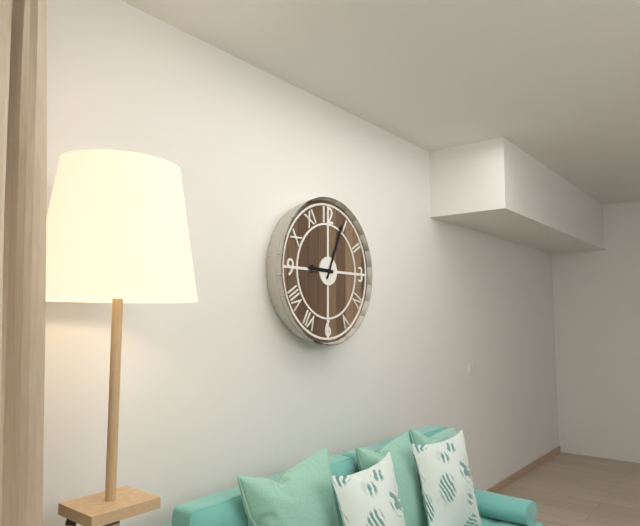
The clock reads 9h04
